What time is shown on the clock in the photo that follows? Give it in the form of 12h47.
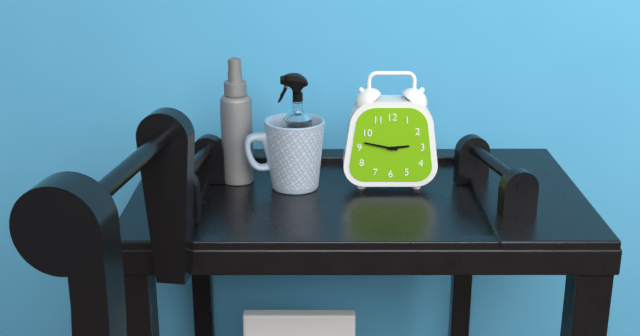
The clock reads 2h47
